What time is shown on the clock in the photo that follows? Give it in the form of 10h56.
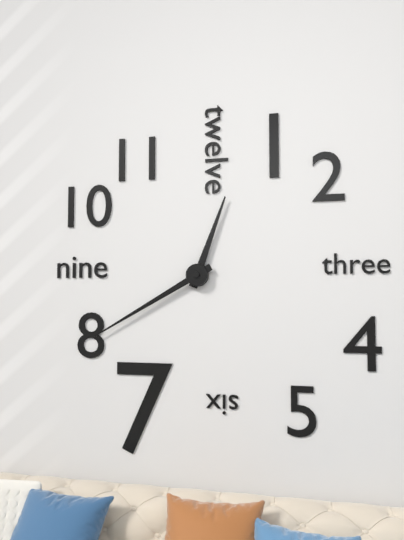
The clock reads 12h40
